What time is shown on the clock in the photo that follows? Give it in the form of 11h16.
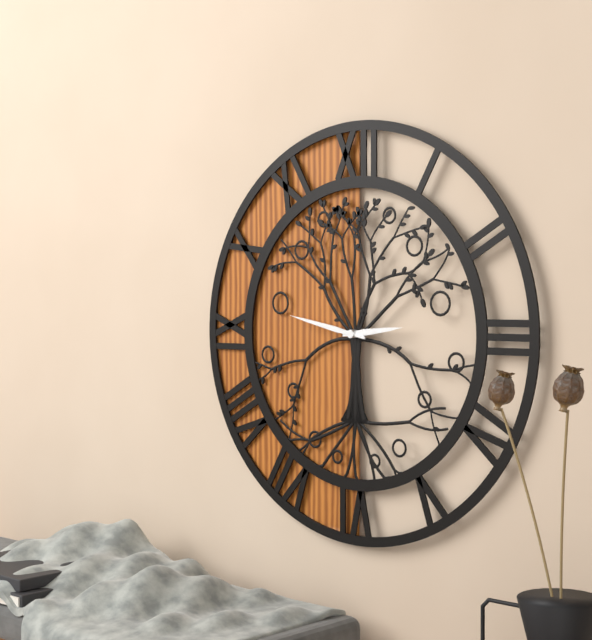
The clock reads 2h47
